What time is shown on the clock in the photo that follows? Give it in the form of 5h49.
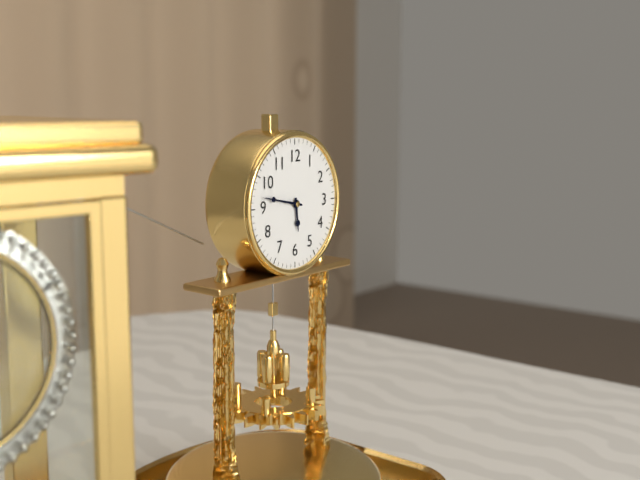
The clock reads 5h47
